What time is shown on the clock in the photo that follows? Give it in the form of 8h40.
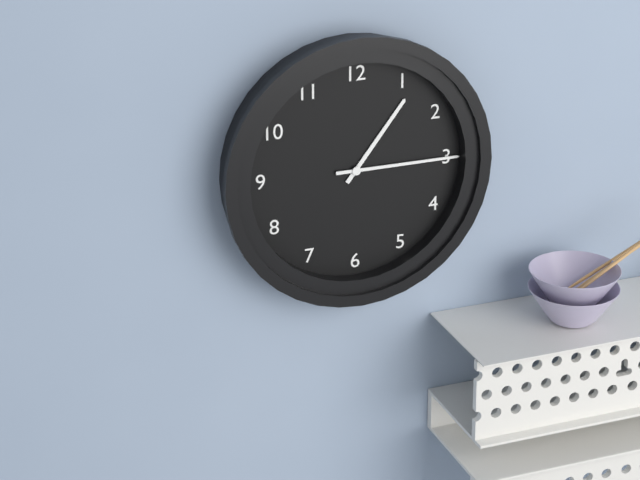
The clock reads 1h15
